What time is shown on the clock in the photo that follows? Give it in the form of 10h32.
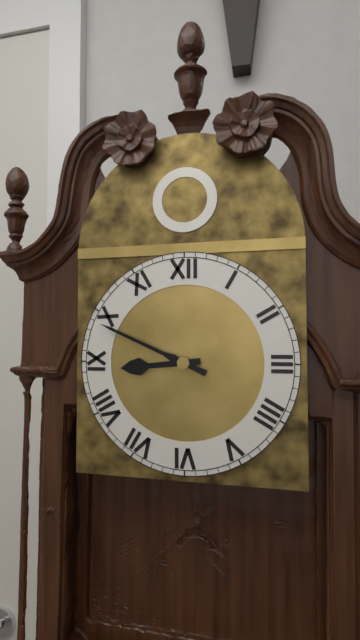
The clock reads 8h49
